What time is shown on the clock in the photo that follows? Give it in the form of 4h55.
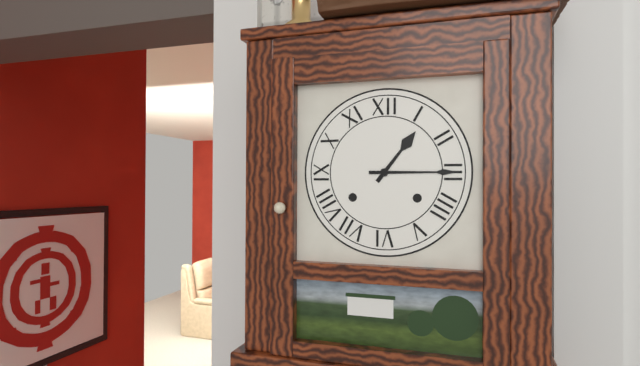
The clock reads 1h15
